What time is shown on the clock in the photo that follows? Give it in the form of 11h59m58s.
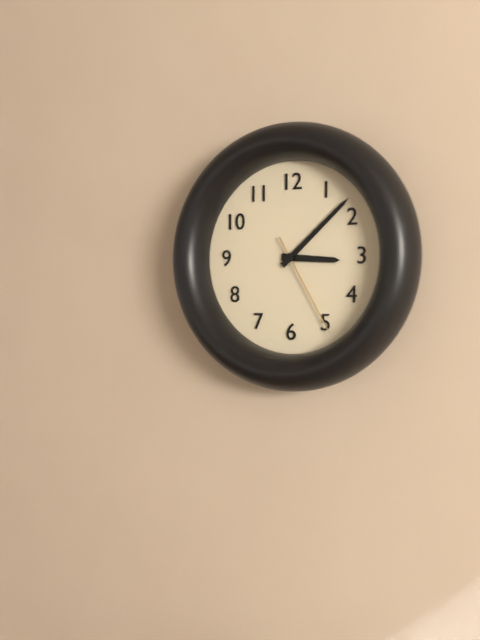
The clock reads 3h08m25s
